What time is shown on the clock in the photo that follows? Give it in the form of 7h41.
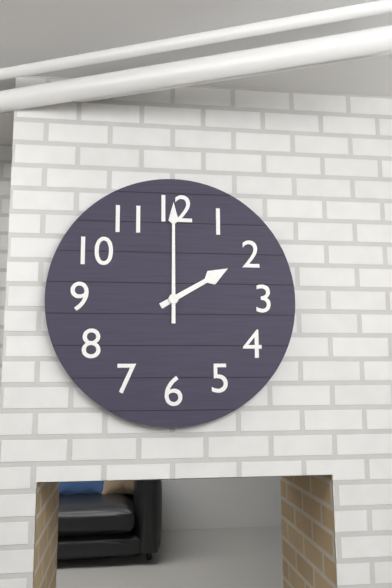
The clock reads 2h00
